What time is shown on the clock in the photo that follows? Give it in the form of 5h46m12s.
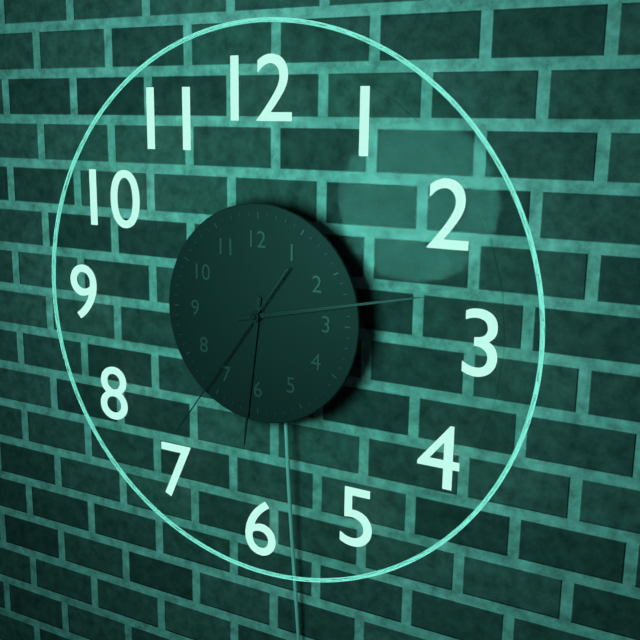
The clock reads 6h13m36s
